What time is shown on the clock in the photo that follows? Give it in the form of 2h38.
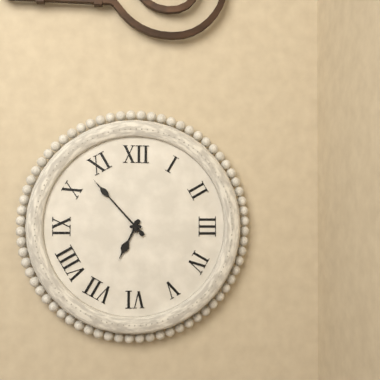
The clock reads 6h53
